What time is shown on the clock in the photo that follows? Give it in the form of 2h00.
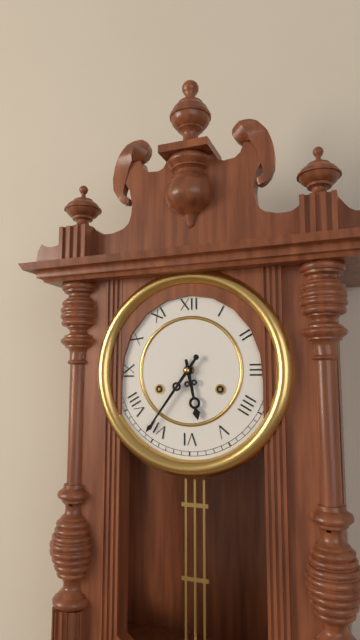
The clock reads 5h36
